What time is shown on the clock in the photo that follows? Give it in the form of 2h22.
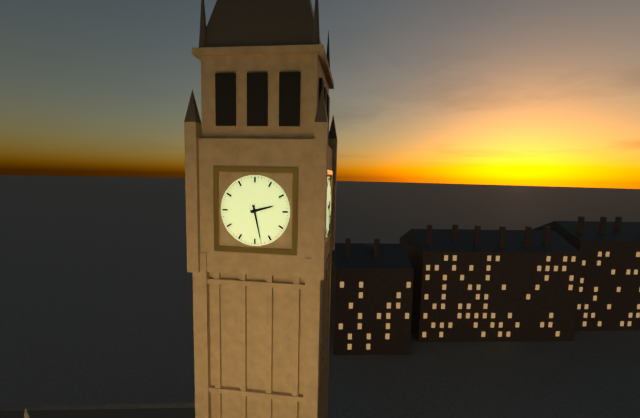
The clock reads 2h28
